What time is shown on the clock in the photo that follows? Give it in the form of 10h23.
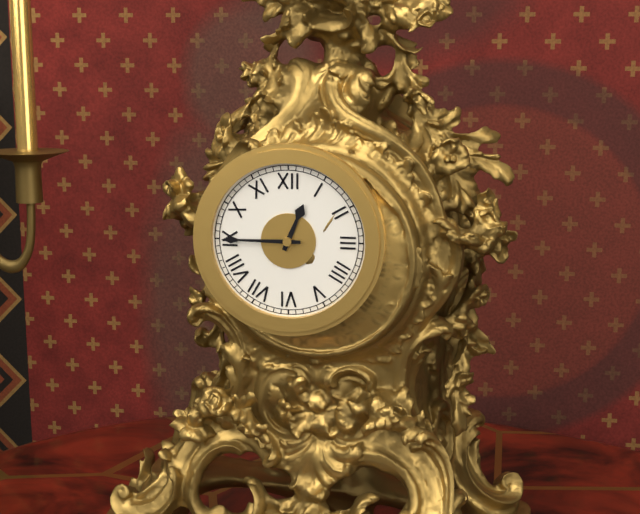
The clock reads 12h45
